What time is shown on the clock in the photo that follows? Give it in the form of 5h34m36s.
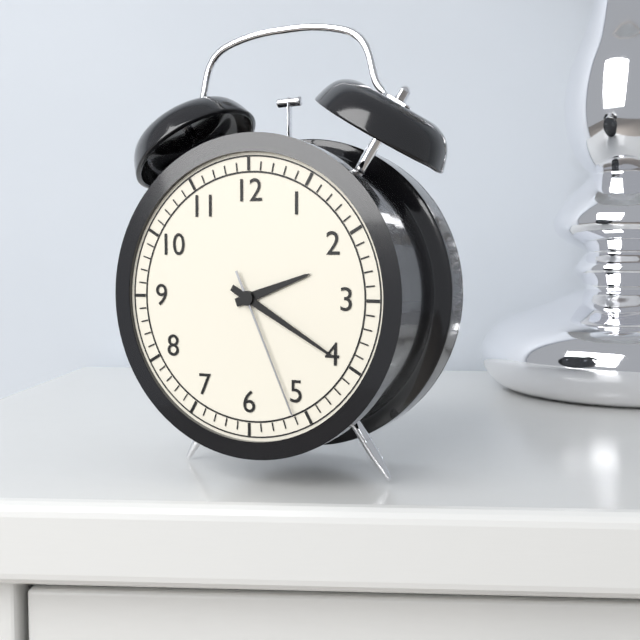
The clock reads 2h20m26s
